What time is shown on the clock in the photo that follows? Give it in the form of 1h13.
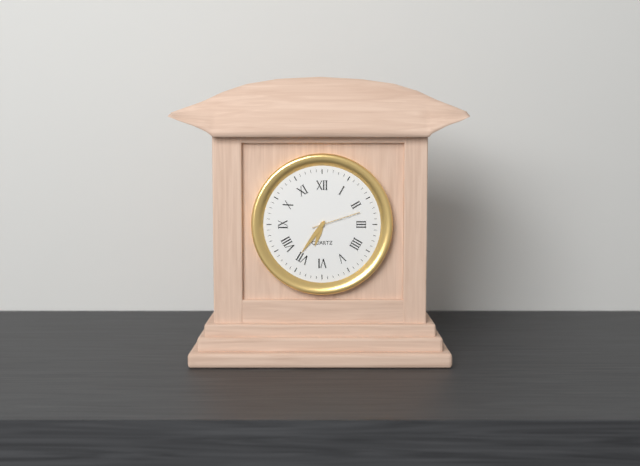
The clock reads 6h36
